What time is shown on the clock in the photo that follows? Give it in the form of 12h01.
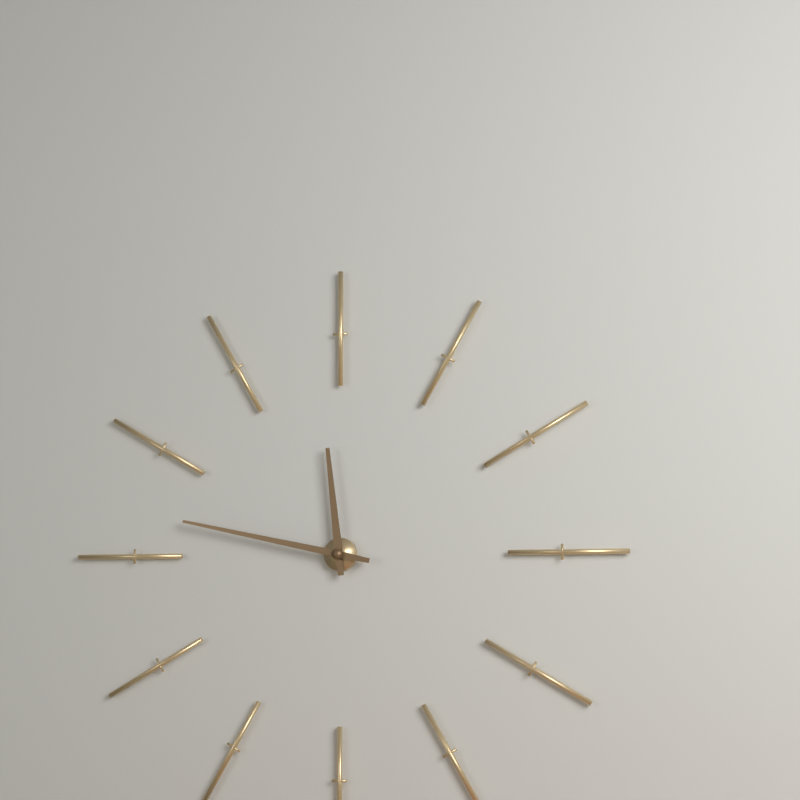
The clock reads 11h47
